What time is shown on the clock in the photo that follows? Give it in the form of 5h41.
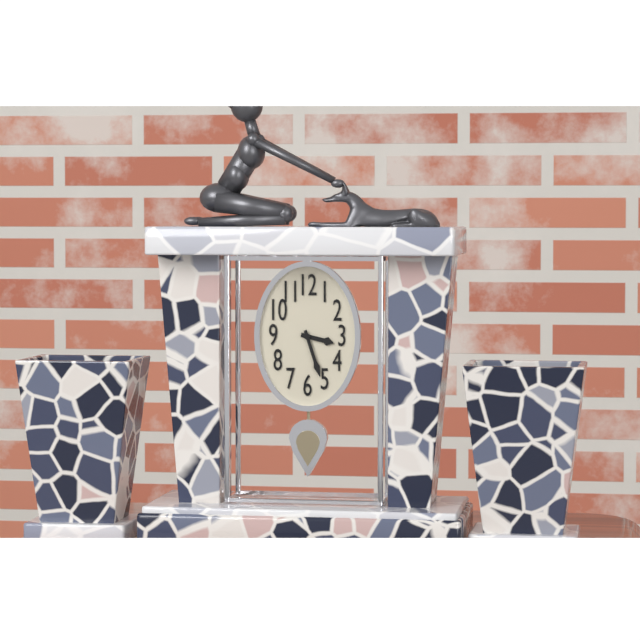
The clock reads 3h27
